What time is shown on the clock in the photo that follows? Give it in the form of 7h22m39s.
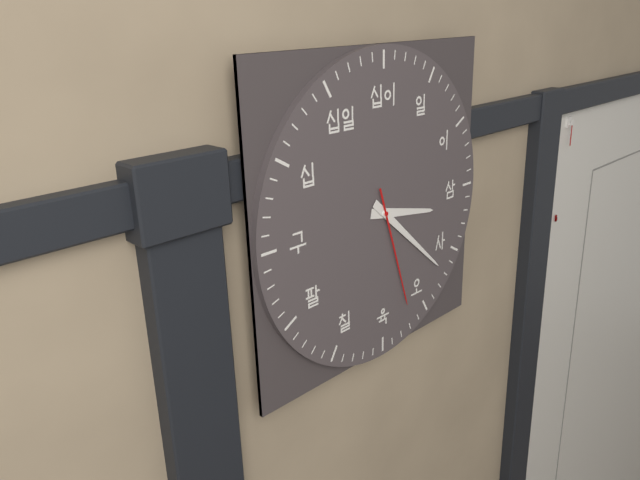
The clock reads 3h22m27s
